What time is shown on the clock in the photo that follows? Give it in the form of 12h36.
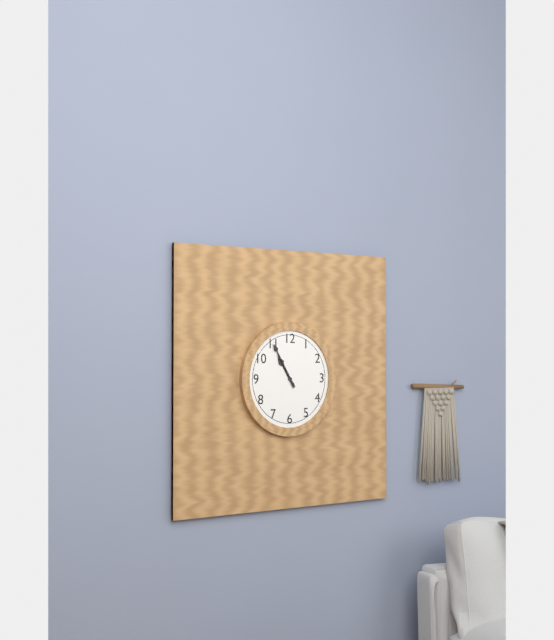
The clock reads 10h55
